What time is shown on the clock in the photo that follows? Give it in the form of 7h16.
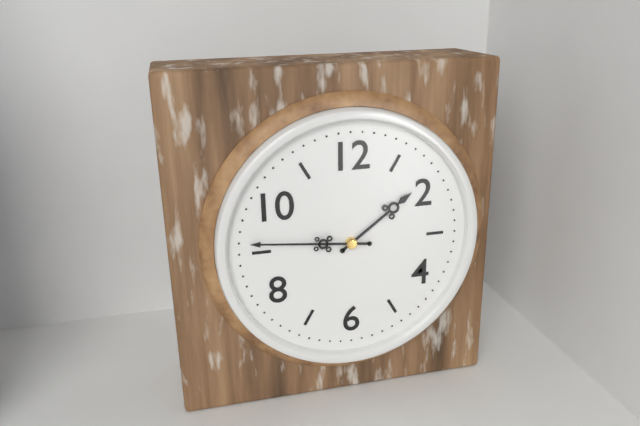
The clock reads 1h46
